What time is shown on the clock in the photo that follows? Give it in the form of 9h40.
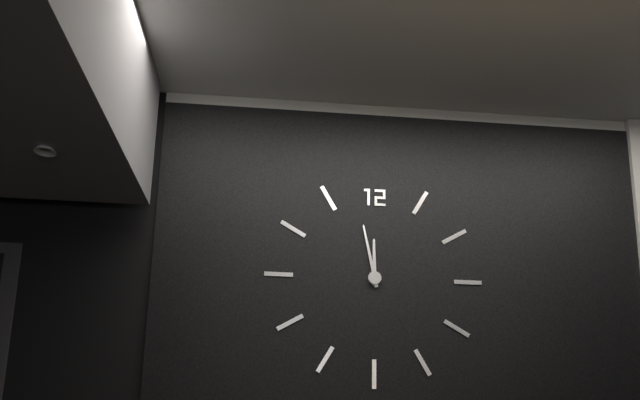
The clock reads 11h58
